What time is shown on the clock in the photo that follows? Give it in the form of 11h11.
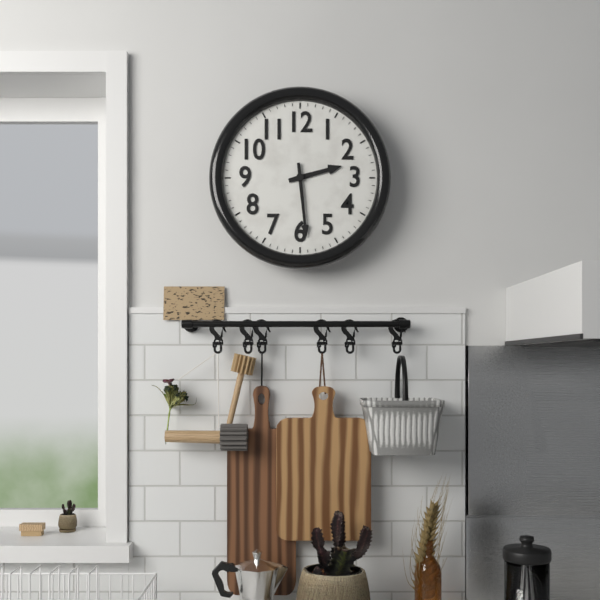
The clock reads 2h29
